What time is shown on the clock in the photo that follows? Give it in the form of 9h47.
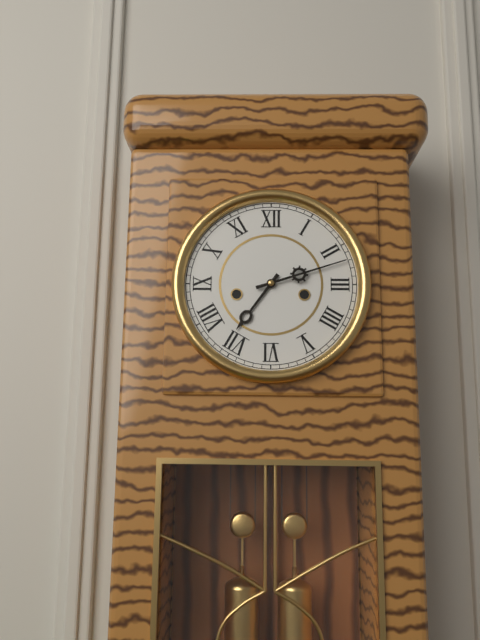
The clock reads 7h12
